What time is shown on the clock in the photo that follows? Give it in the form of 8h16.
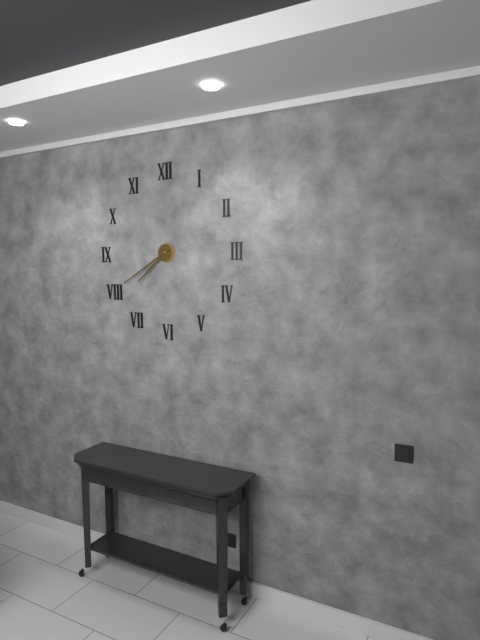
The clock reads 7h40
